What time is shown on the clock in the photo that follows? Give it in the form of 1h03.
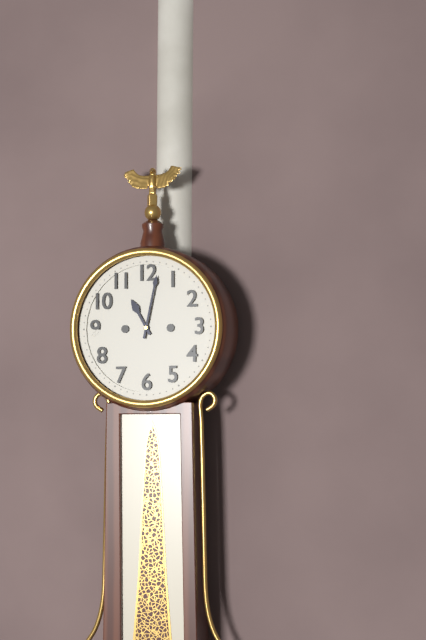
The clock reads 11h02
